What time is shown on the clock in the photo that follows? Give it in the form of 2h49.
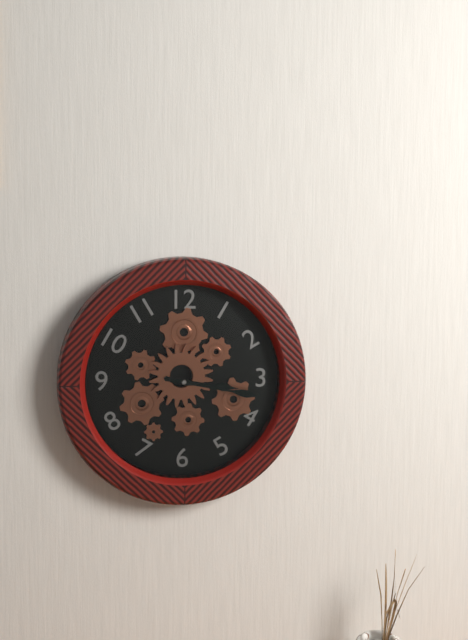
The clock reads 3h17
